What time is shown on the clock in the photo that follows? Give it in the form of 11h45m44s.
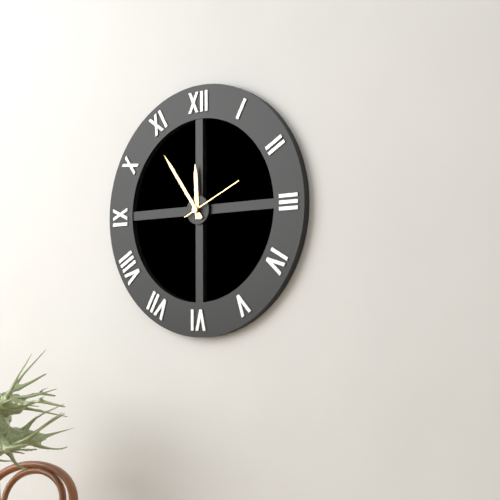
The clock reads 11h54m11s
